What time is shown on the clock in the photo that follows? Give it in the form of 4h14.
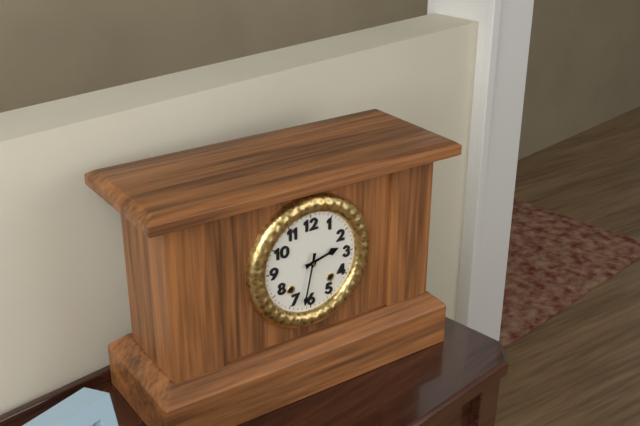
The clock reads 2h32
